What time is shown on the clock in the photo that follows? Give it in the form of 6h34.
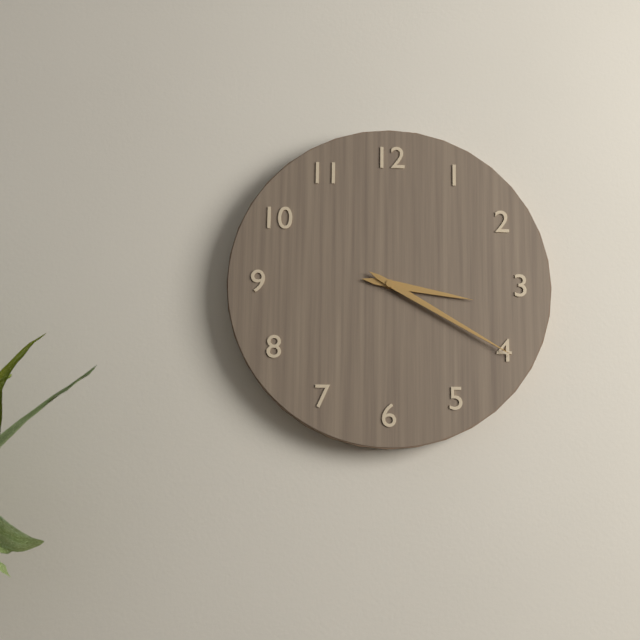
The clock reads 3h20
